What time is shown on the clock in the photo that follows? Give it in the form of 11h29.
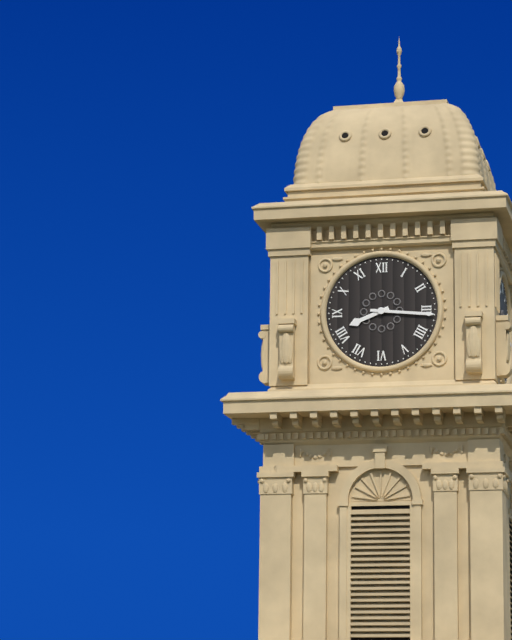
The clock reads 8h16
